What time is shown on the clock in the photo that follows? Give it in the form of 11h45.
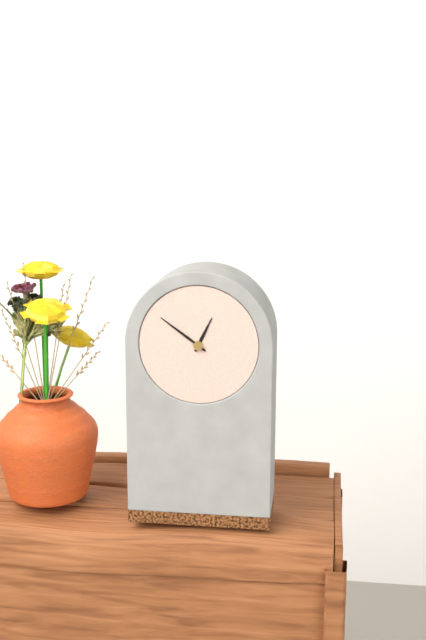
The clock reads 12h51
